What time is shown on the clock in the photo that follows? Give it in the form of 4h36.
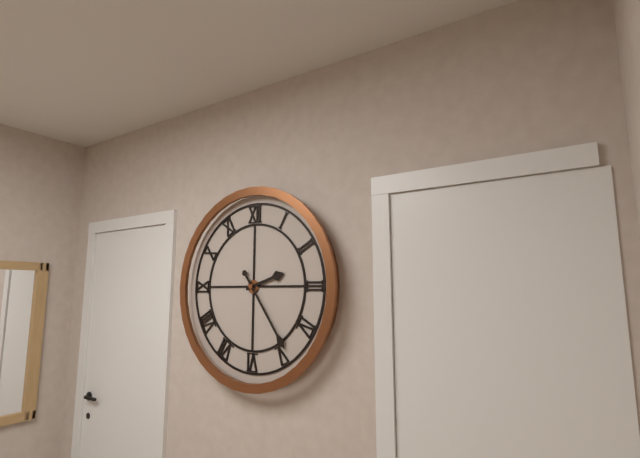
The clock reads 2h24
